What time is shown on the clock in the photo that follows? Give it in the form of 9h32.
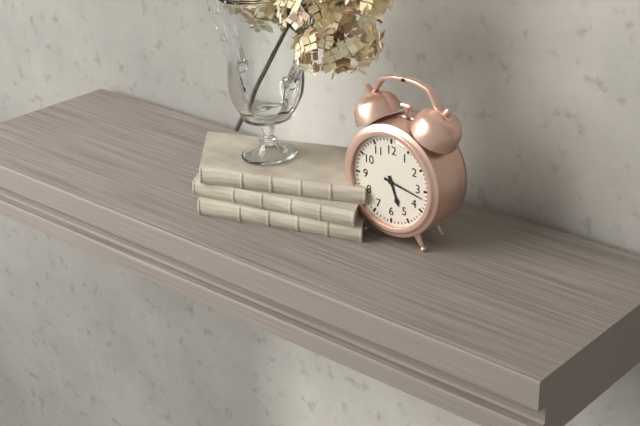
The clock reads 5h17
